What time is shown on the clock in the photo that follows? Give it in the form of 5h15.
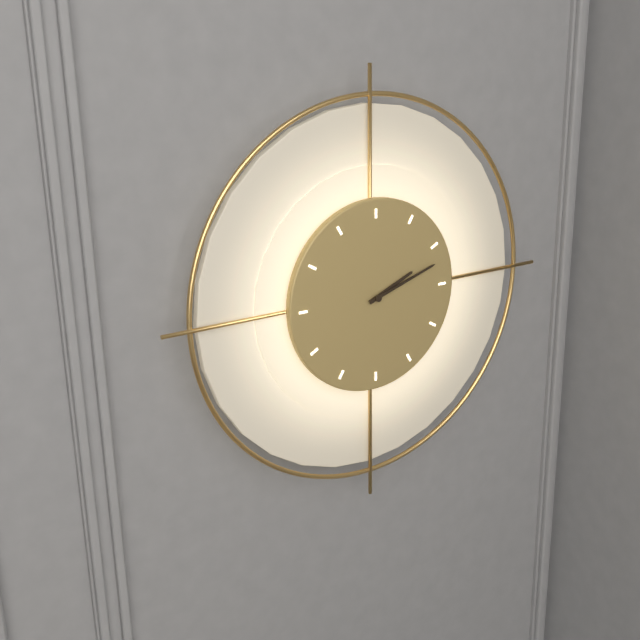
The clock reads 2h12
